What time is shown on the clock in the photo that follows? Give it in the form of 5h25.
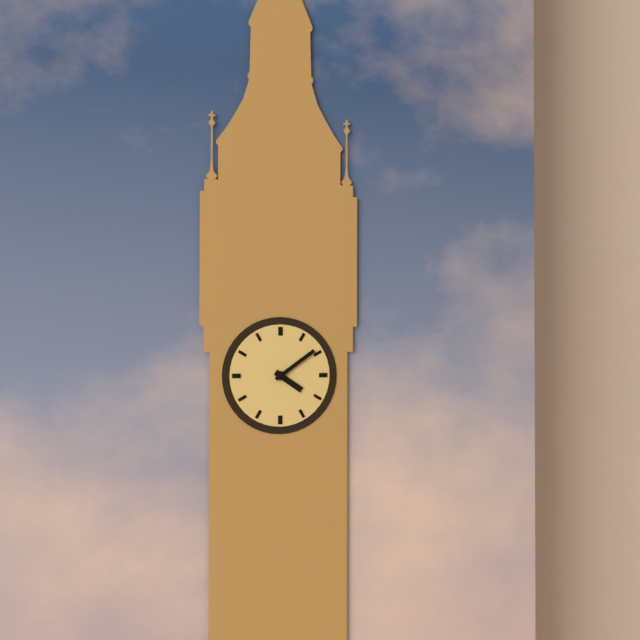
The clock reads 4h09
